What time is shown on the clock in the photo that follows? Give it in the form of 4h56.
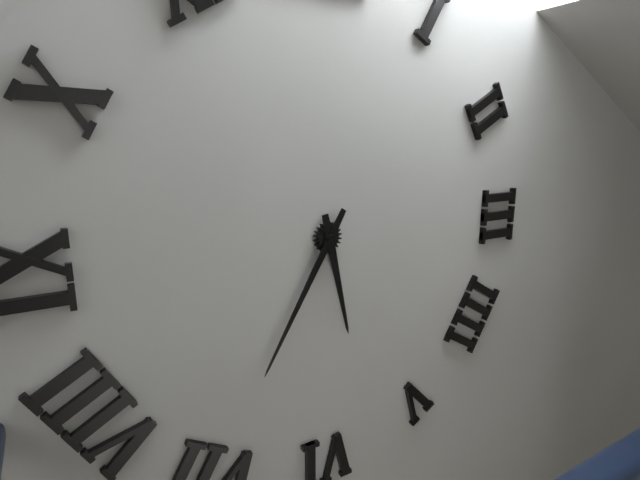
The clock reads 5h35
